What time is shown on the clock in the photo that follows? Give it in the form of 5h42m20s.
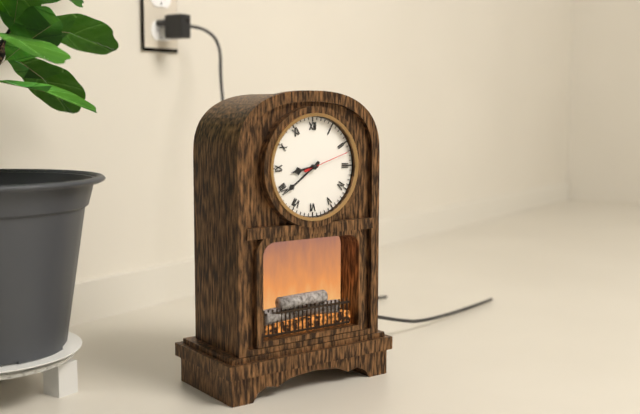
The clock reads 8h39m12s
